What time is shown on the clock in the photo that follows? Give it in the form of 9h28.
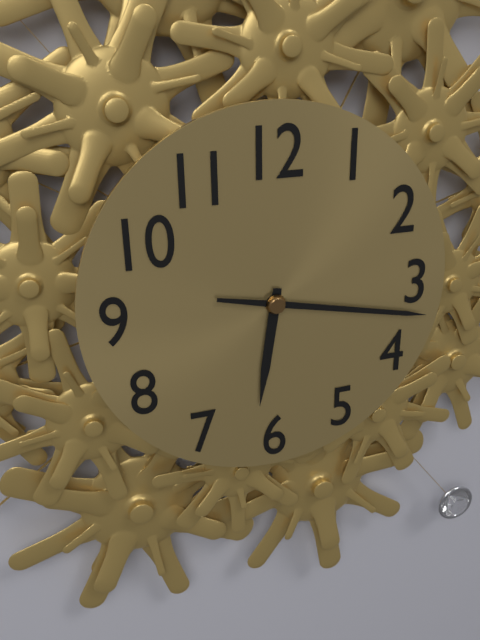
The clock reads 6h17
